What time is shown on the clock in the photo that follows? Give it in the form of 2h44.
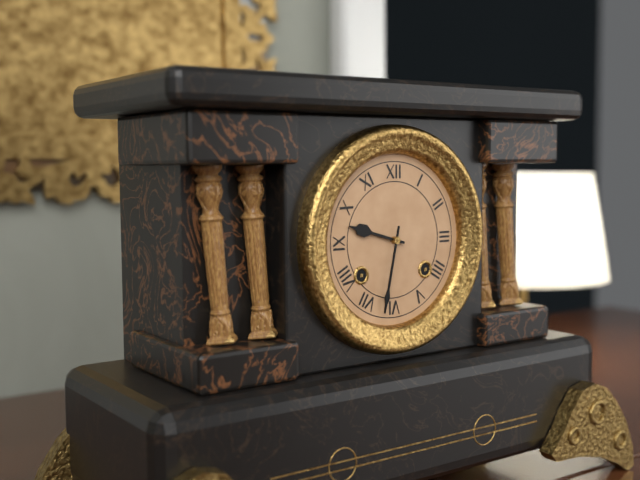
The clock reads 9h32
